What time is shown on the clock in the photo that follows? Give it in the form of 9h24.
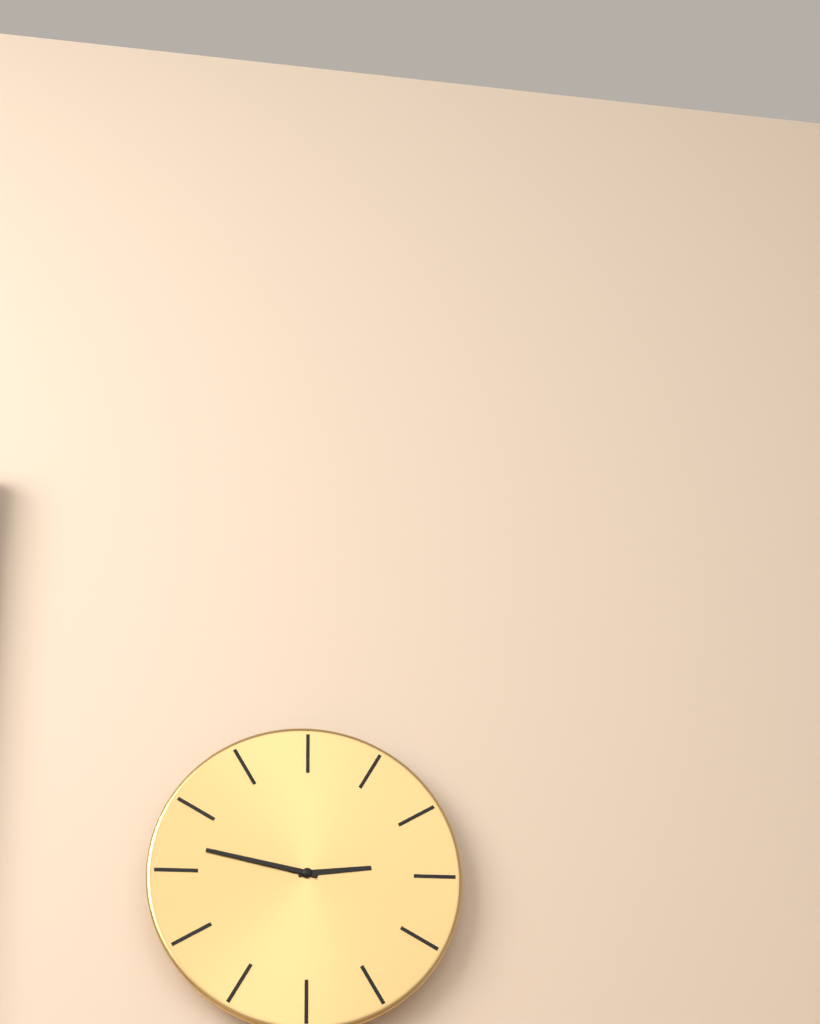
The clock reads 2h47
